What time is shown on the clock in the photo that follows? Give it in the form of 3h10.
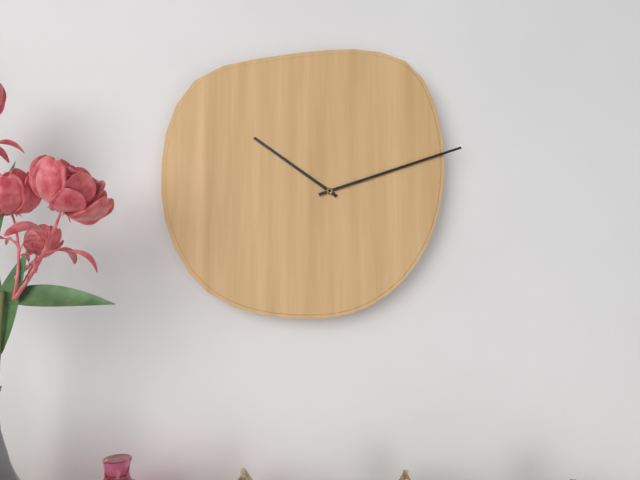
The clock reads 10h12
